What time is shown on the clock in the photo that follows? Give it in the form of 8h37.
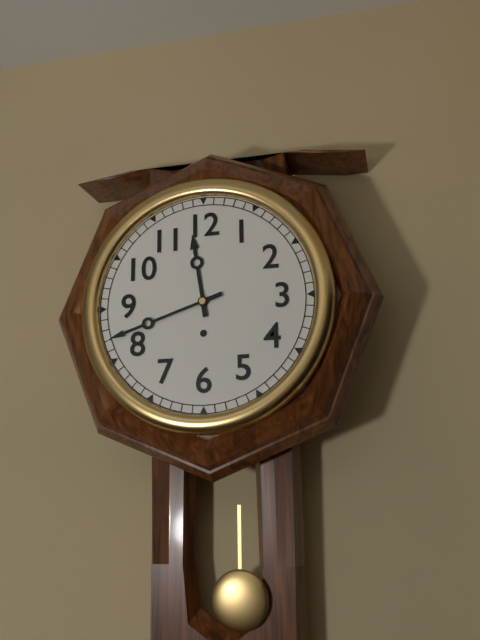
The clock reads 11h42
